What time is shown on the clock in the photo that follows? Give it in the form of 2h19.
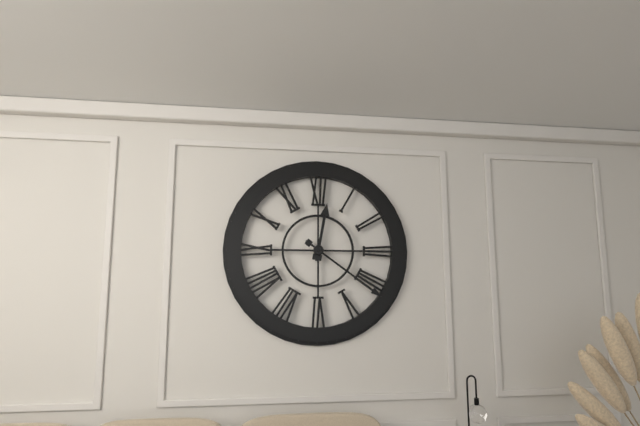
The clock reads 12h21
